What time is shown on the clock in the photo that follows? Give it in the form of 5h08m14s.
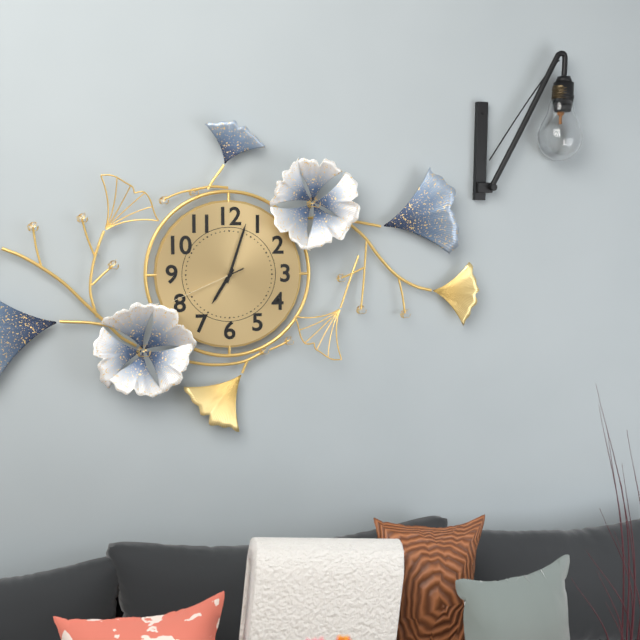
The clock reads 7h03m41s
